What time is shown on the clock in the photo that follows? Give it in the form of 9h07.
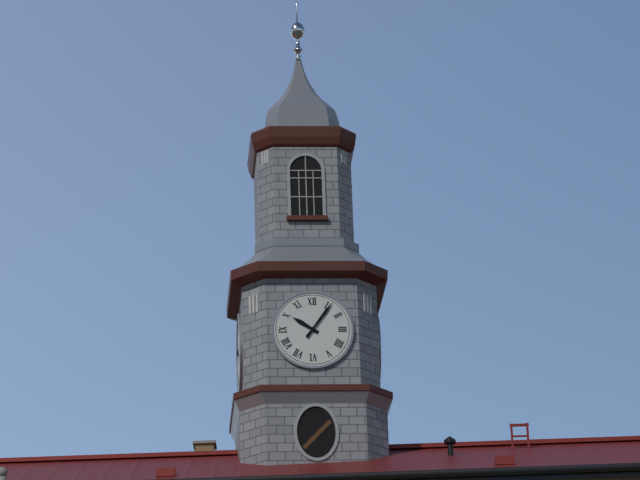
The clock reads 10h06
